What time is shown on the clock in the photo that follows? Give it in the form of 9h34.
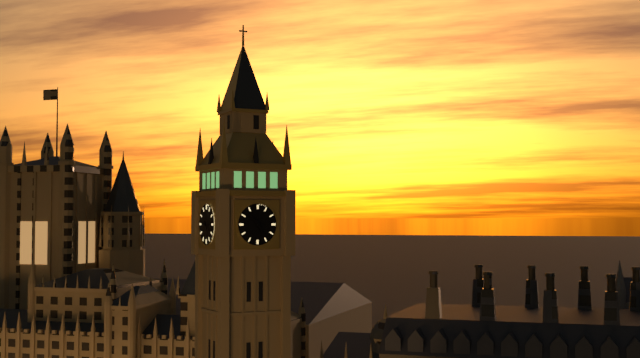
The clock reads 4h53
